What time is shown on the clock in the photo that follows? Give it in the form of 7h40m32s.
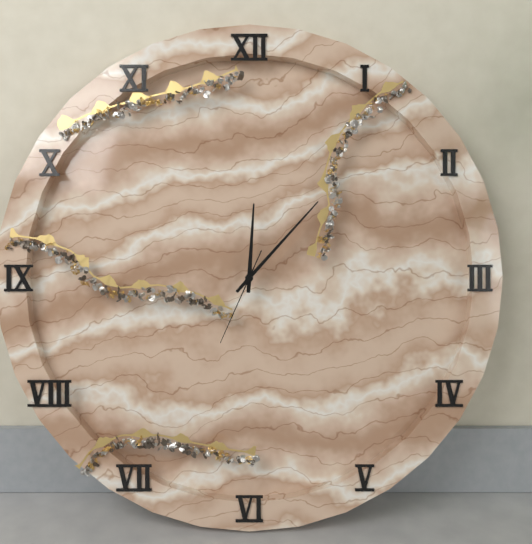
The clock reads 12h07m34s
